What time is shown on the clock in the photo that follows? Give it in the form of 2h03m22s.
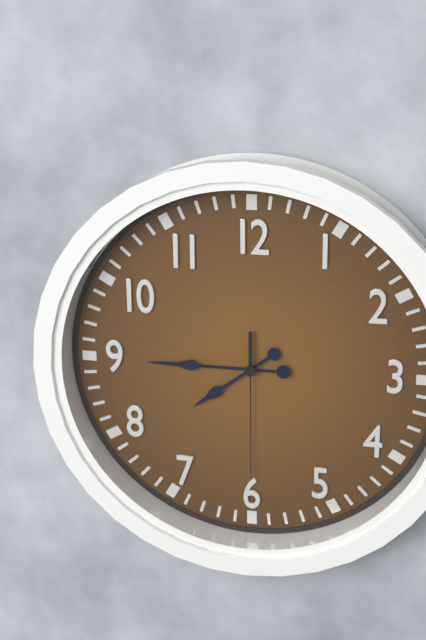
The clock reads 7h45m30s
